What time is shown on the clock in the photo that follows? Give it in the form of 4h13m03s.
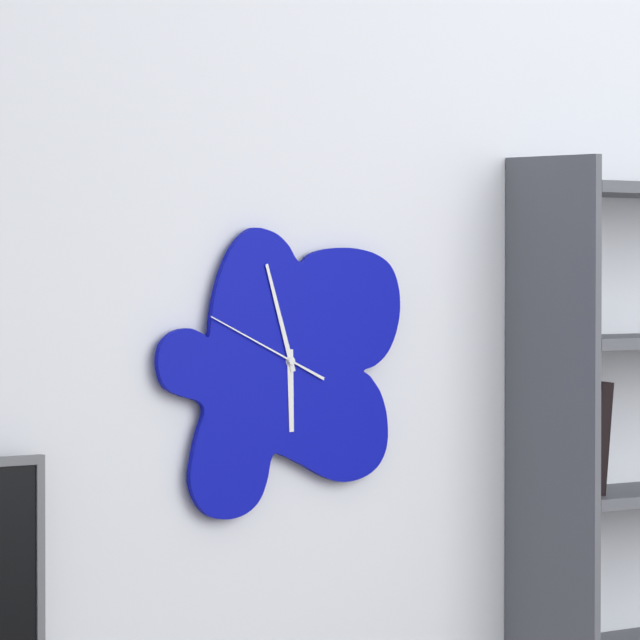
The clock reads 5h57m49s
